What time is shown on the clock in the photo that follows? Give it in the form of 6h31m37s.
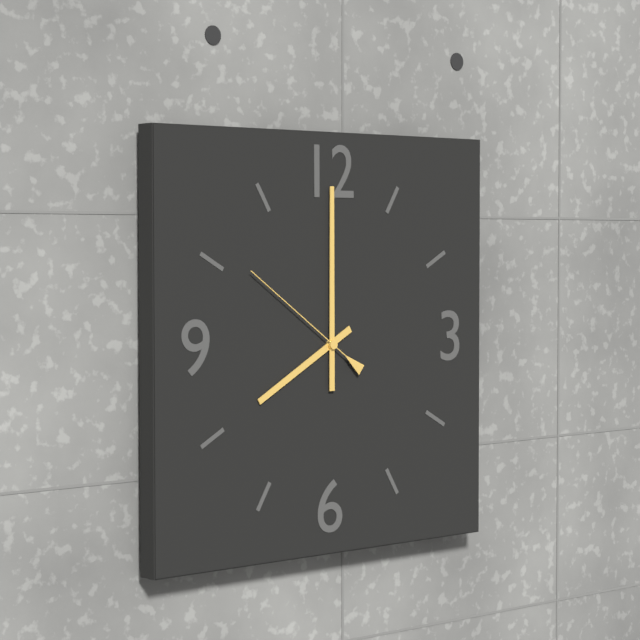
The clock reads 8h00m51s
